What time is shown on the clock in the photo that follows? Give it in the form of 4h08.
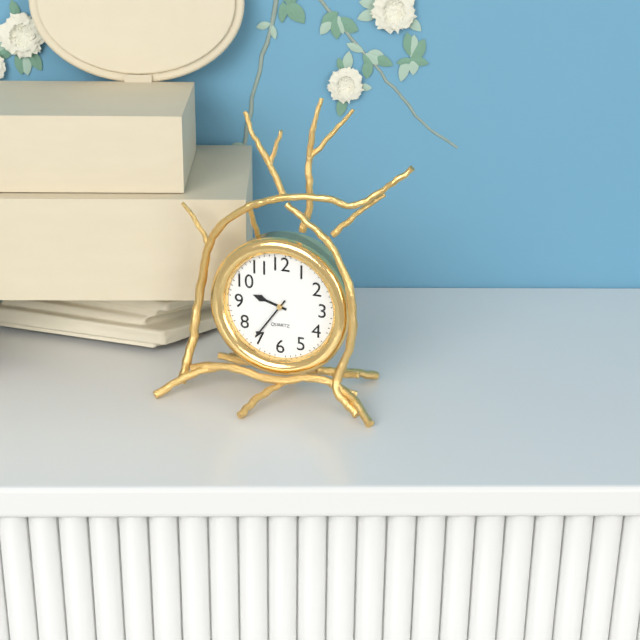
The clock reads 9h36
